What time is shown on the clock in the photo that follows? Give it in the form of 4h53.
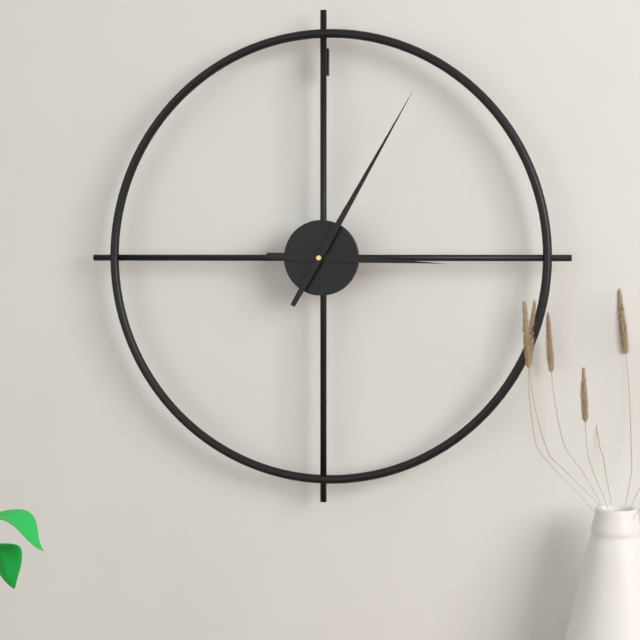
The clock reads 3h05
